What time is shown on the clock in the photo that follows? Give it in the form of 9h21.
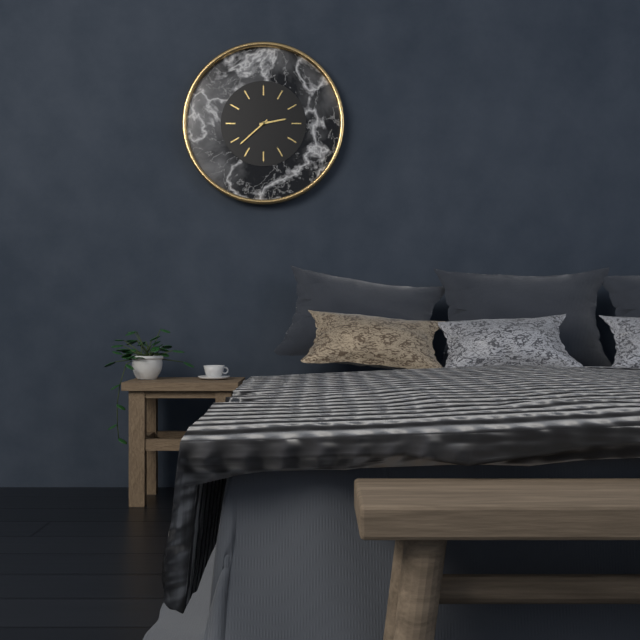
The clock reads 2h38
